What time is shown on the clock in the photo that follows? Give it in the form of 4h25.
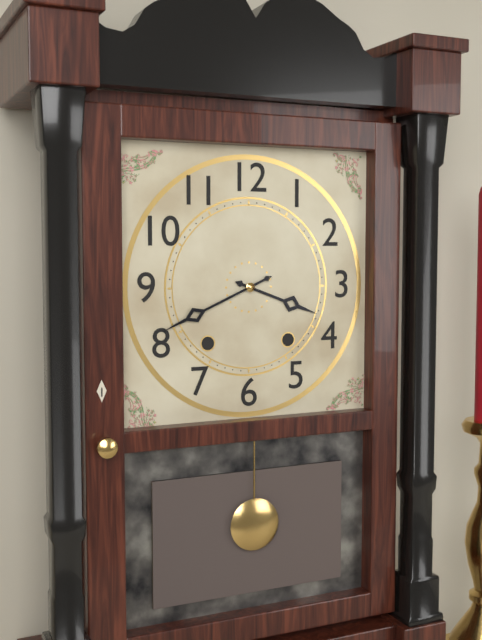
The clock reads 3h41
